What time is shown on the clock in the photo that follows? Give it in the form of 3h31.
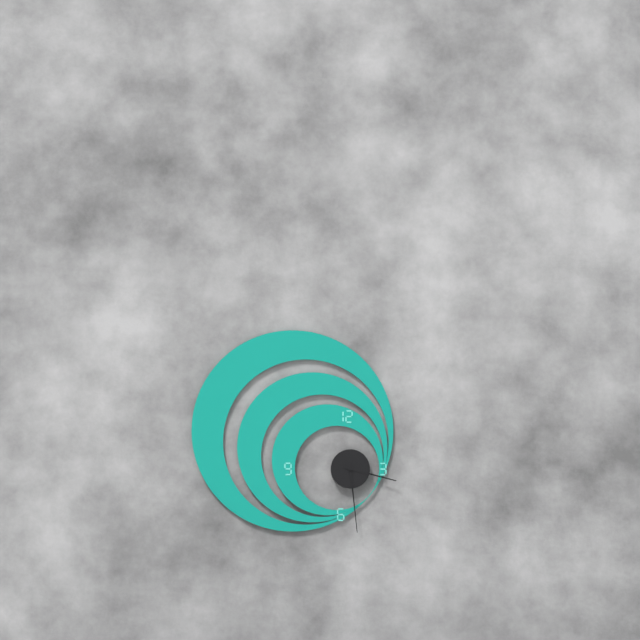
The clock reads 3h29
